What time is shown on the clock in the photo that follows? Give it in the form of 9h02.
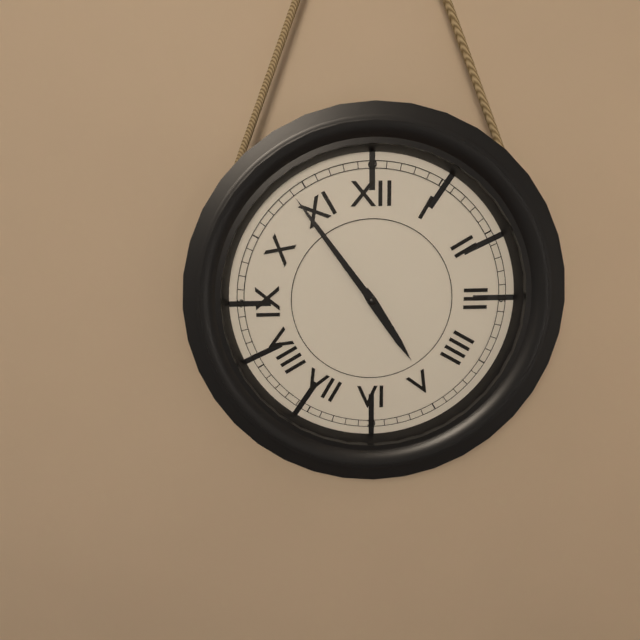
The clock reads 4h54
